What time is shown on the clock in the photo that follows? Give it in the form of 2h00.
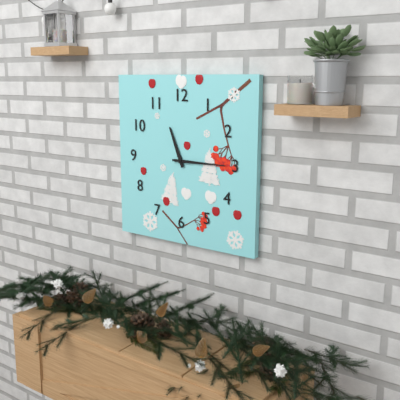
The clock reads 11h15
